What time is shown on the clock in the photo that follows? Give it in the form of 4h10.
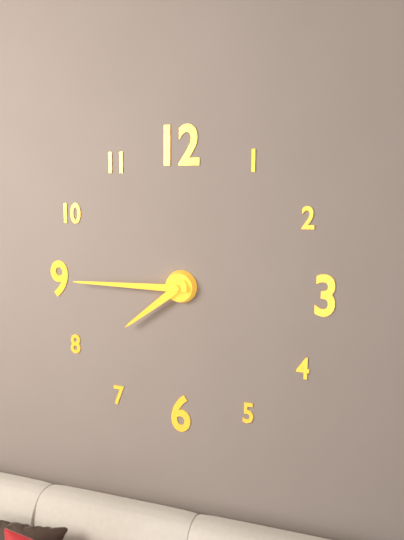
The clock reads 7h45
